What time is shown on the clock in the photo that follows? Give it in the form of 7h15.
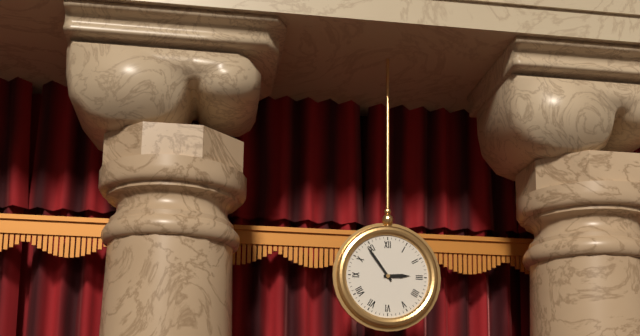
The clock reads 2h54
